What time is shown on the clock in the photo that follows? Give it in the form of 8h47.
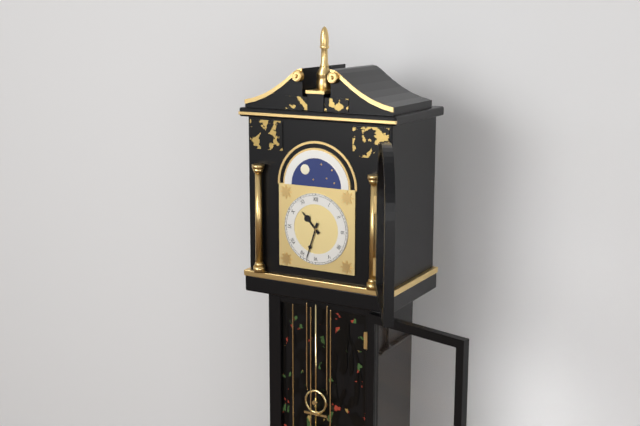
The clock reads 10h33
